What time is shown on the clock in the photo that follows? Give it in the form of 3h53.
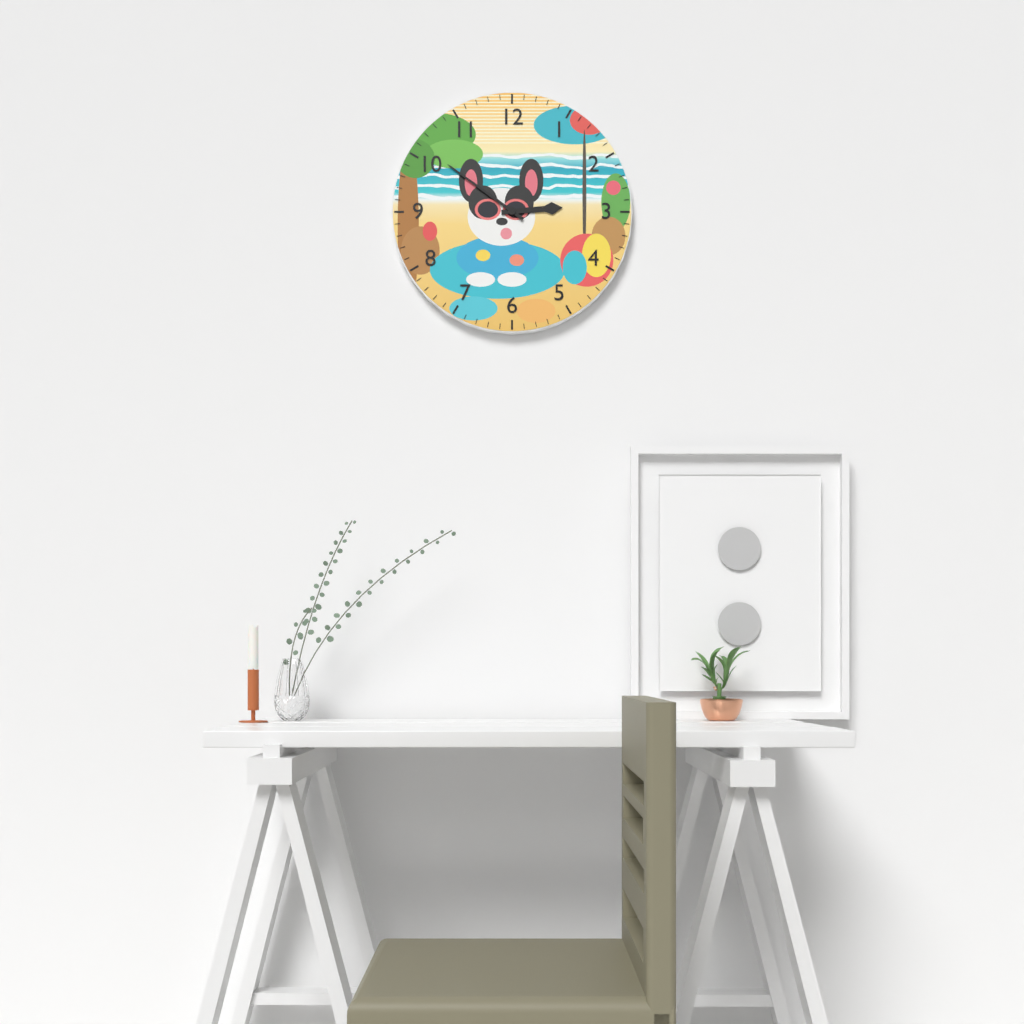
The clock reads 2h51
